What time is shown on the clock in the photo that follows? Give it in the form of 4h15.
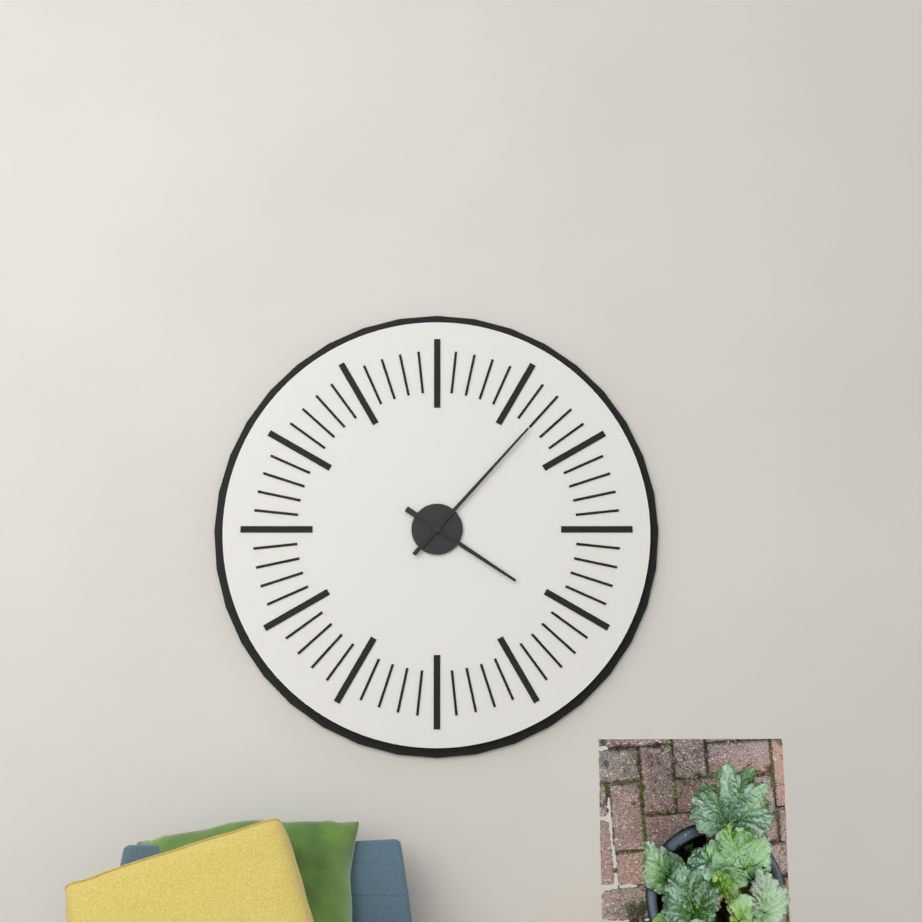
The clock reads 4h07
